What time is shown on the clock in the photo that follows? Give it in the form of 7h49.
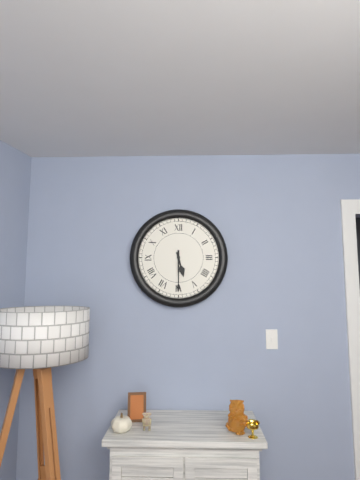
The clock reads 5h30
